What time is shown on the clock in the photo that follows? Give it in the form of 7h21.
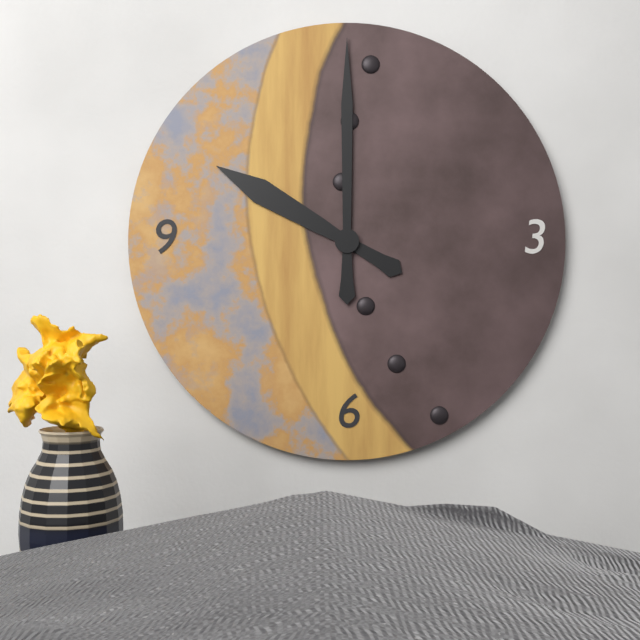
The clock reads 10h00
